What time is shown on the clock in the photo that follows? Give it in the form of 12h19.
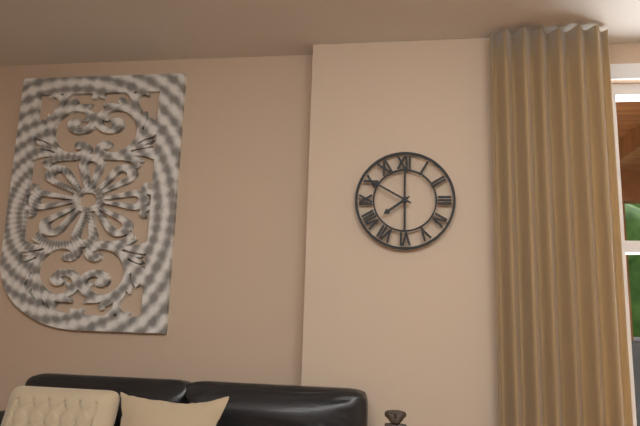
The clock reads 7h50
